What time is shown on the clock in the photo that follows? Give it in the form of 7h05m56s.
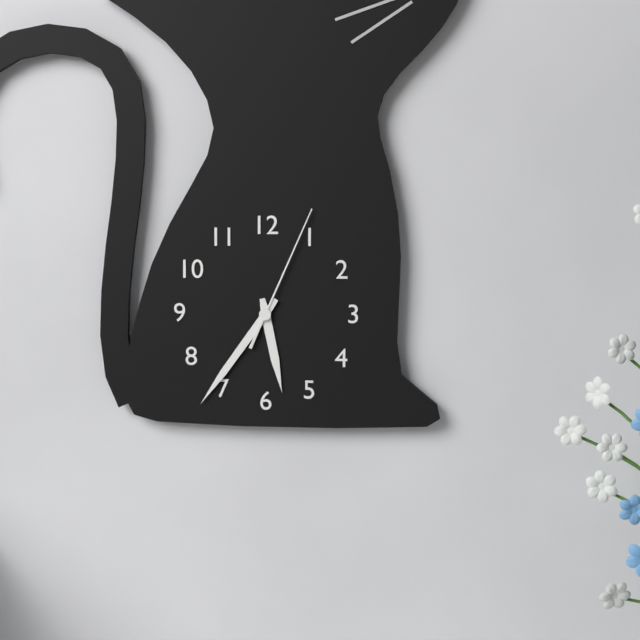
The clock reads 5h36m04s
